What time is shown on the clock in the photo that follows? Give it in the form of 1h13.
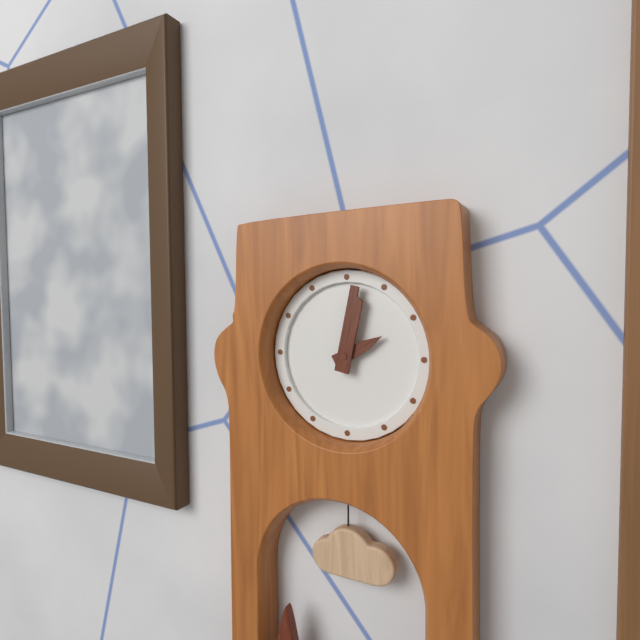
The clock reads 2h02
